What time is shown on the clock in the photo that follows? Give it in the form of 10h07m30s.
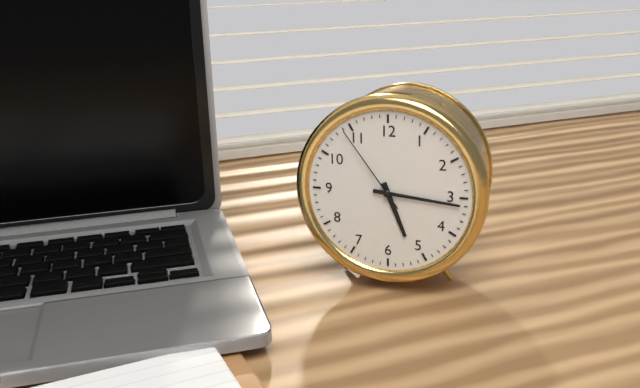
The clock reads 5h16m54s
